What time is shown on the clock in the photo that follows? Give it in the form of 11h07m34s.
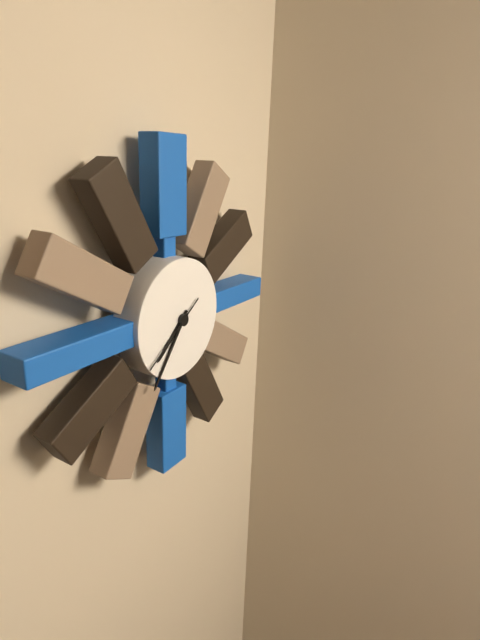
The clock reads 7h36m39s
